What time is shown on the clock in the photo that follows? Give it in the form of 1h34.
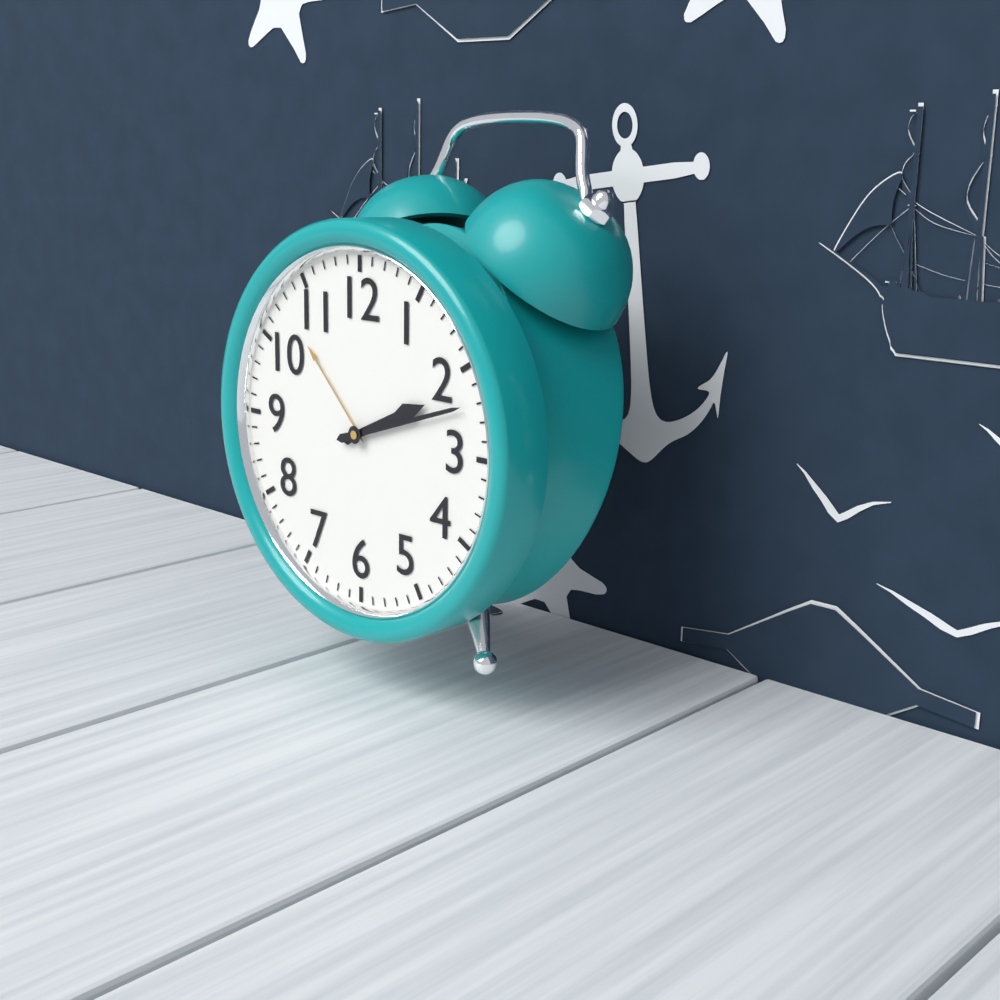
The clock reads 2h12
